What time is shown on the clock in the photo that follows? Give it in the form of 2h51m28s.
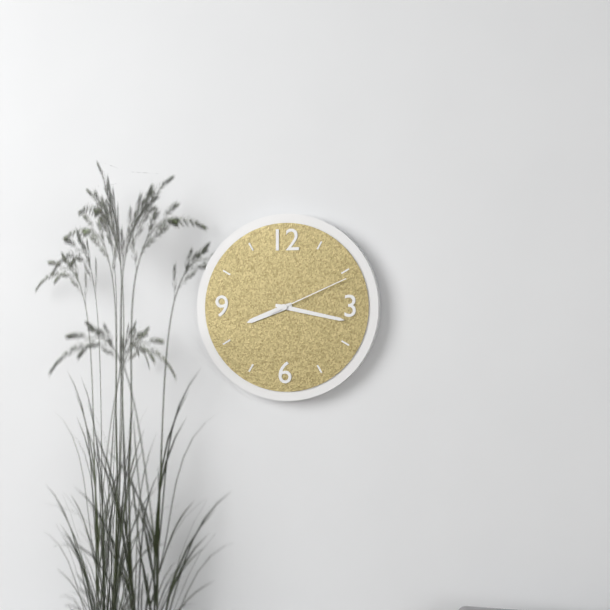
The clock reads 8h17m11s
